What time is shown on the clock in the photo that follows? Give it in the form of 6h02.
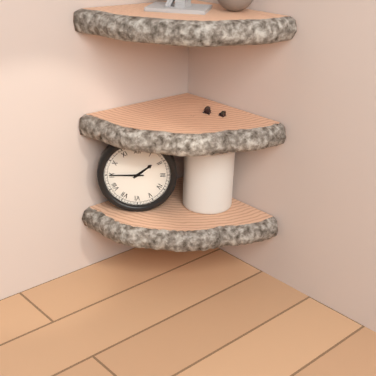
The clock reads 1h45
